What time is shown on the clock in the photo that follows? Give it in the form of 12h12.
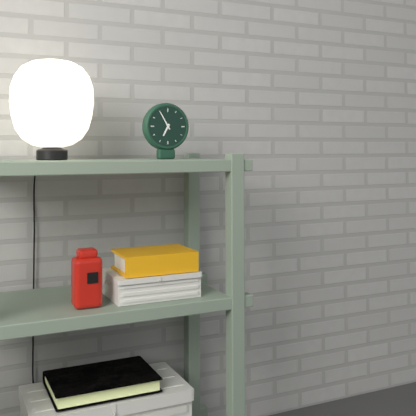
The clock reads 6h55
